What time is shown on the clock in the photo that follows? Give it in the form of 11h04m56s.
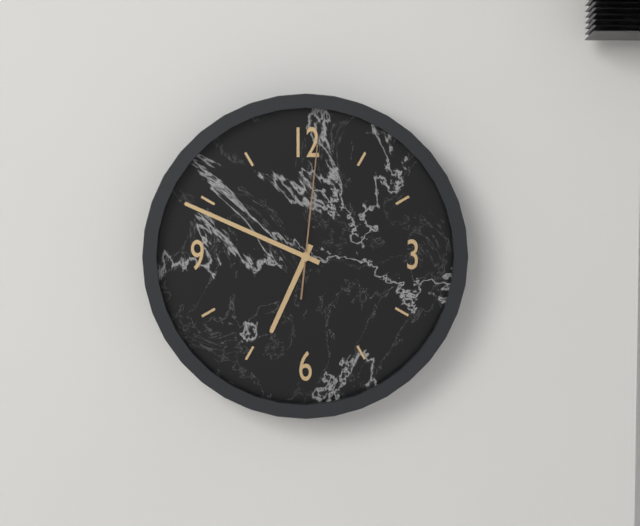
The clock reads 6h49m01s
